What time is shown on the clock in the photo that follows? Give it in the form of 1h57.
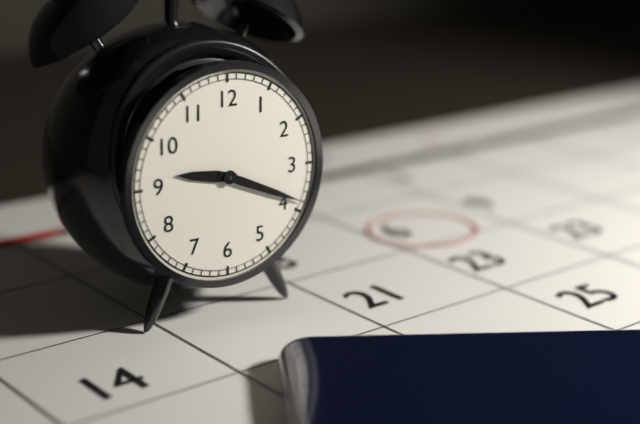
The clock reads 9h19
